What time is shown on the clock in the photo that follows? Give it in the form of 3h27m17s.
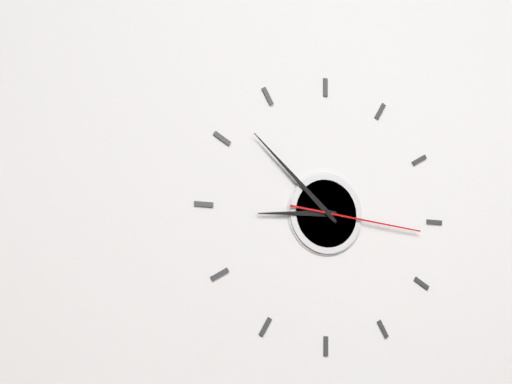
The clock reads 8h52m16s
